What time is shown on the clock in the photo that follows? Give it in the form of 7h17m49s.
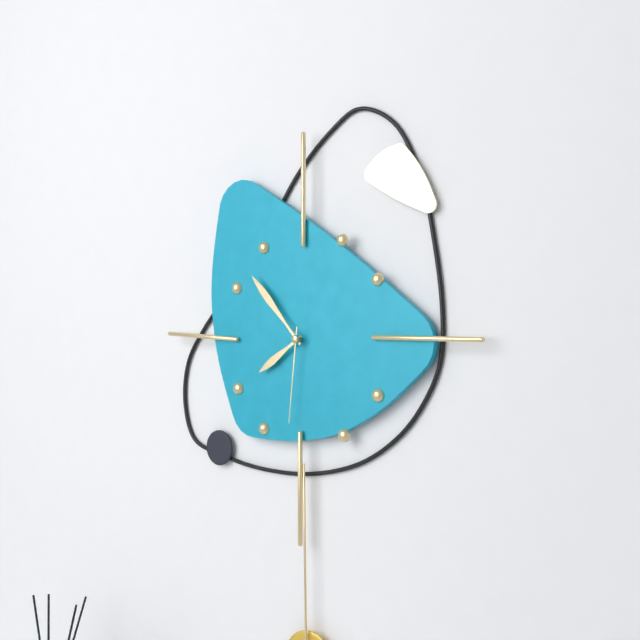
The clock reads 7h53m31s
